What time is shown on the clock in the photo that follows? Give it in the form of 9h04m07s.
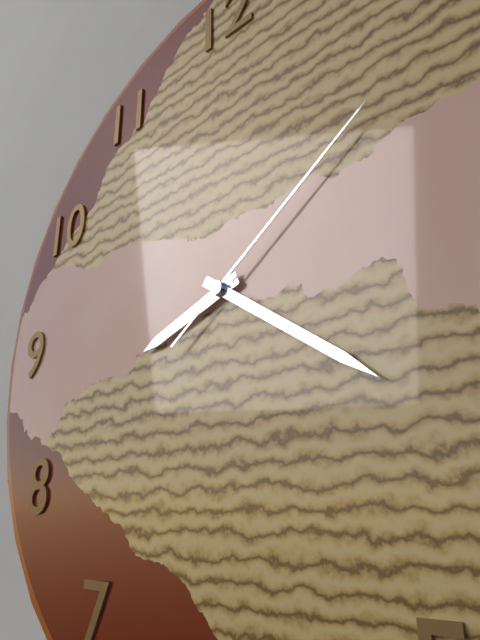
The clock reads 8h21m09s
